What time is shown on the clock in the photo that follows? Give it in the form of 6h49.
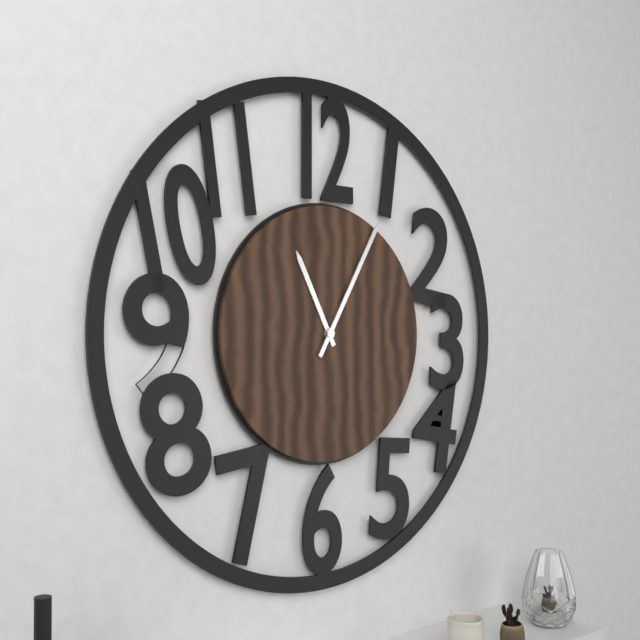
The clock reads 11h05
